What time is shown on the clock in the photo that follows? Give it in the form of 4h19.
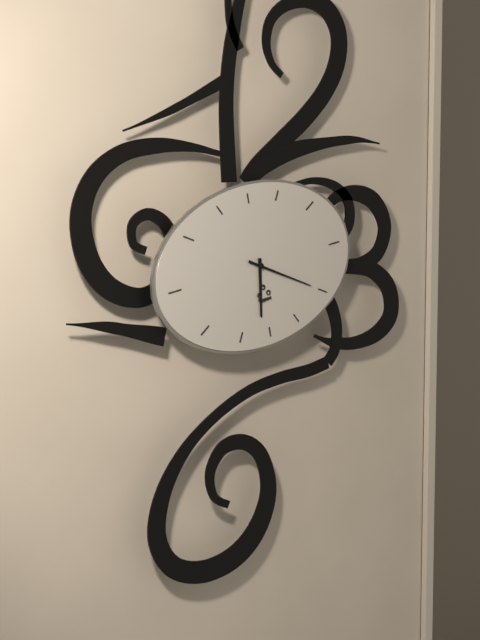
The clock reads 6h20
